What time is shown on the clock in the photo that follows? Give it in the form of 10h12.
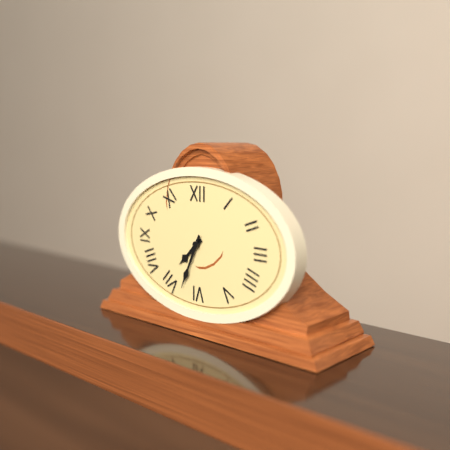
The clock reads 7h34
